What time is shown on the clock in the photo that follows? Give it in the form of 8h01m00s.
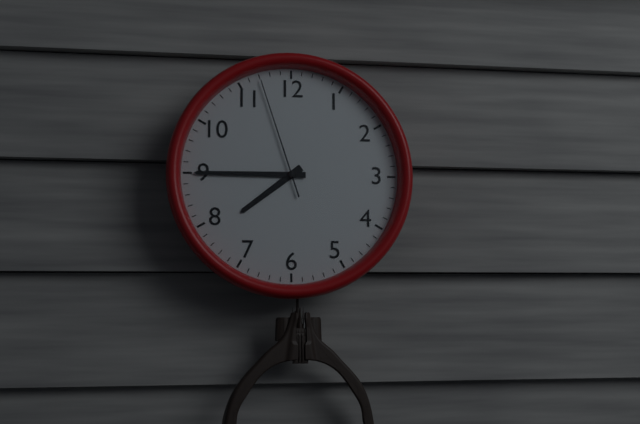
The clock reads 7h45m57s
